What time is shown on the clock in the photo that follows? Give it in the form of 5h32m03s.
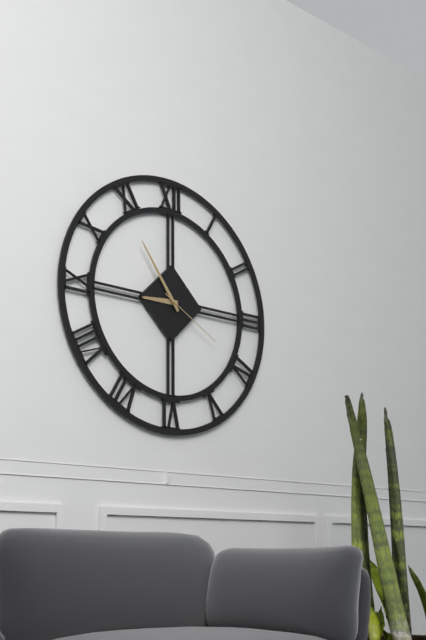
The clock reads 8h54m20s
